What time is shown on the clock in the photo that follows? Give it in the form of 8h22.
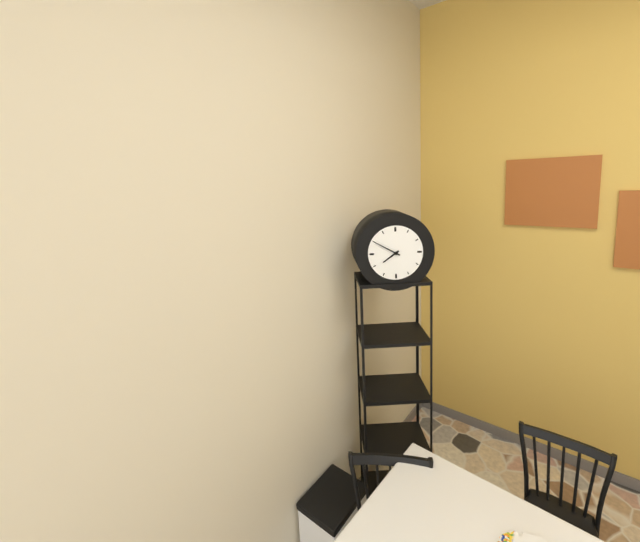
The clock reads 7h50
